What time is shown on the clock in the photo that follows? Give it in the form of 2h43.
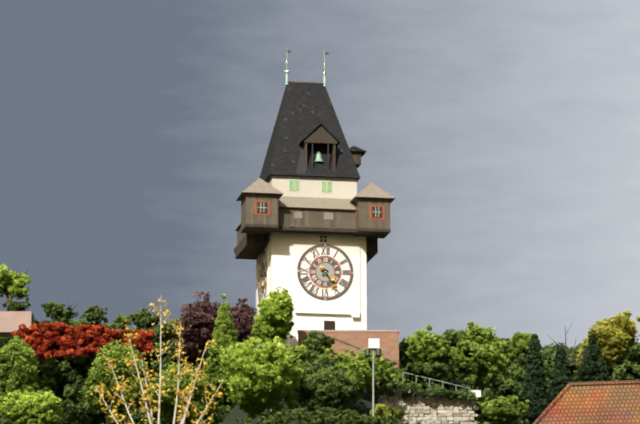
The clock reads 4h25
